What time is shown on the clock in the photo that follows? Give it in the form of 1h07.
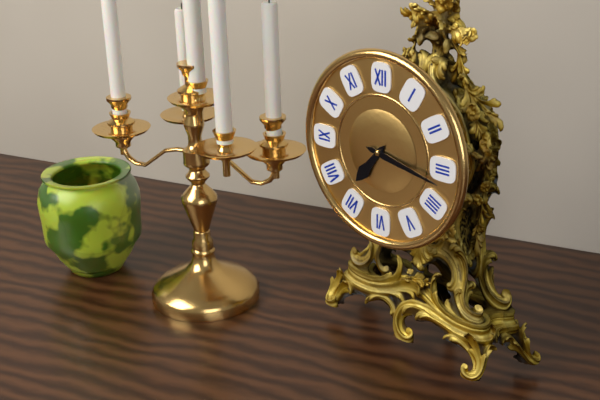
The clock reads 7h17
